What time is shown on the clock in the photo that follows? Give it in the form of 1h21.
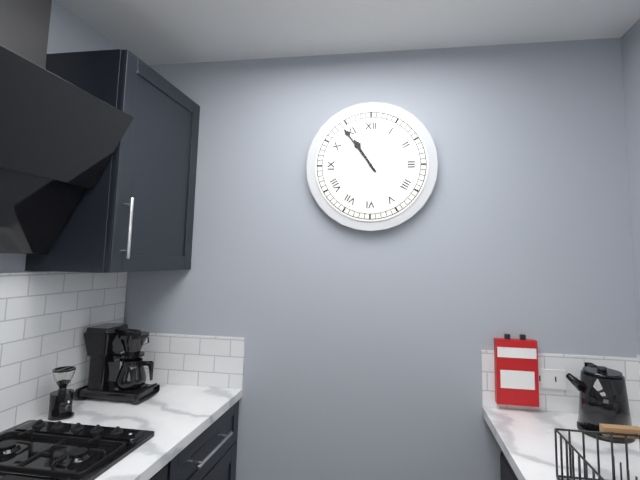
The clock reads 10h54
